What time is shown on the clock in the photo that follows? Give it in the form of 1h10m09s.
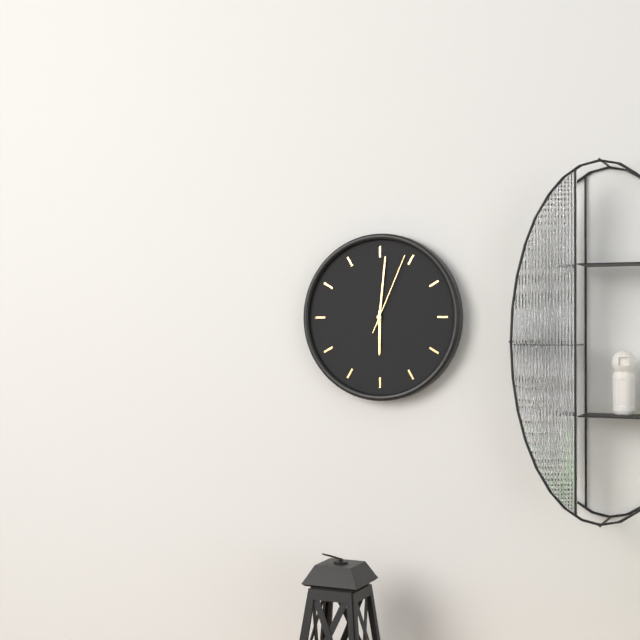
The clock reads 6h01m04s
